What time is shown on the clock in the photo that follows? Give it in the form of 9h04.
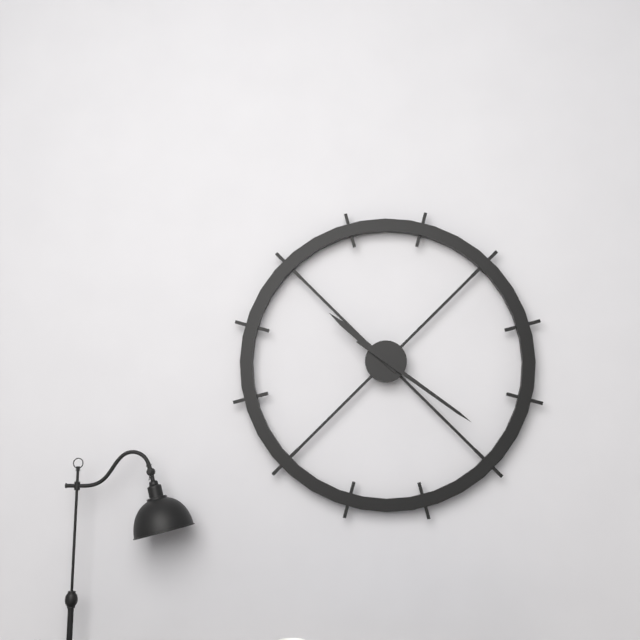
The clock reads 10h21
